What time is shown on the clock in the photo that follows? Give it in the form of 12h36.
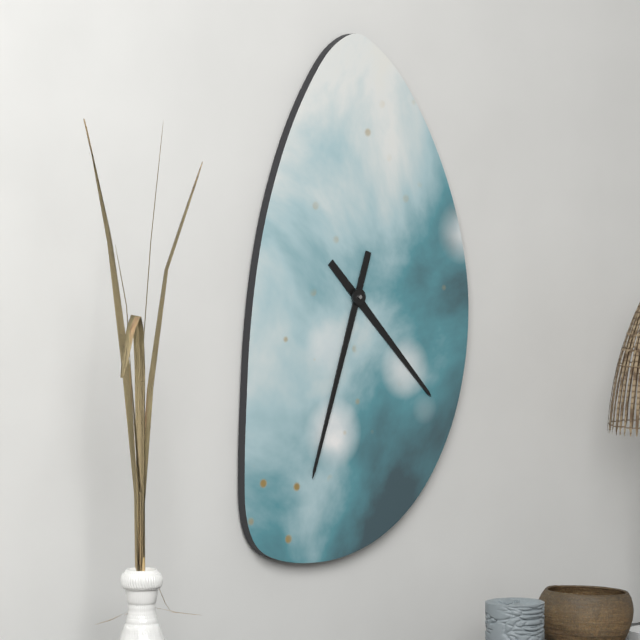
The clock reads 4h33
